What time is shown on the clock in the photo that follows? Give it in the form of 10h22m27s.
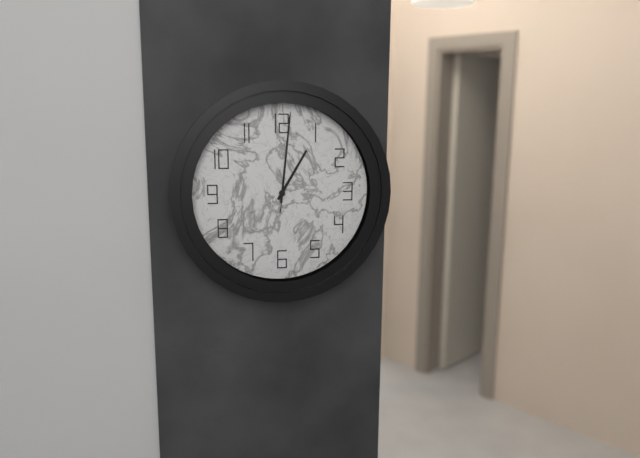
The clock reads 1h01m01s
